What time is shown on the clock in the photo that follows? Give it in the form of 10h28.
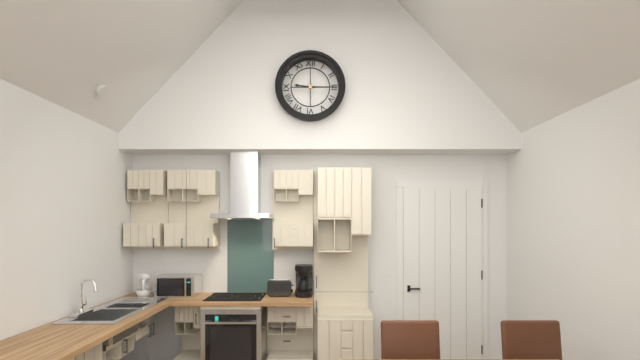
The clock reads 9h15
